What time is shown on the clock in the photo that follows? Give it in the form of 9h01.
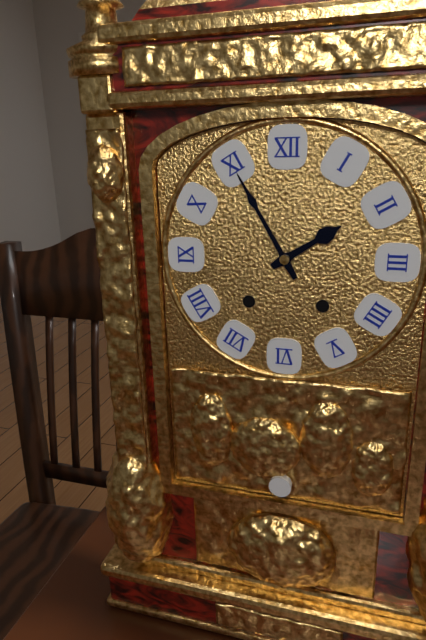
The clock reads 1h55
